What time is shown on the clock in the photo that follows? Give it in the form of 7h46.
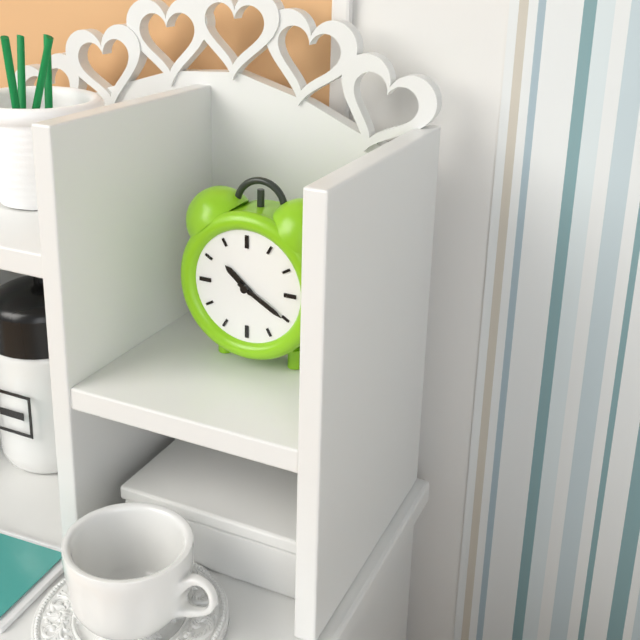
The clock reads 10h20
